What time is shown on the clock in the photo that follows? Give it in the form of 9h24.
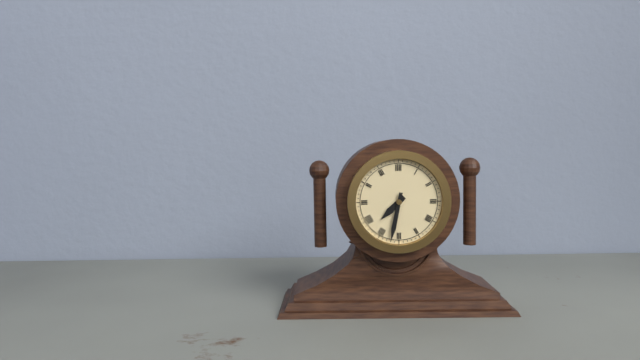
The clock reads 7h32
